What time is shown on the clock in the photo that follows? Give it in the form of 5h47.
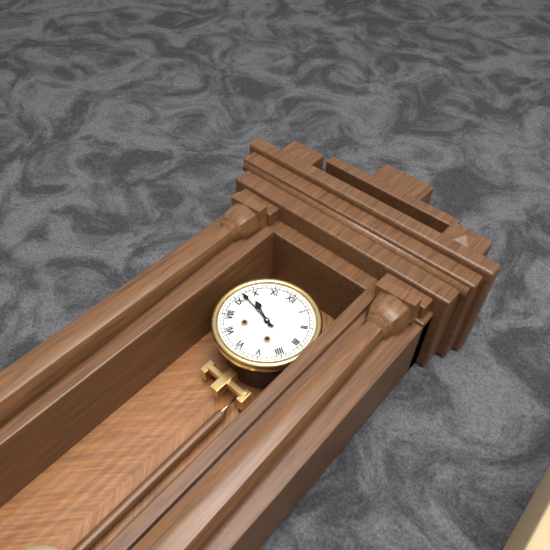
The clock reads 9h47
